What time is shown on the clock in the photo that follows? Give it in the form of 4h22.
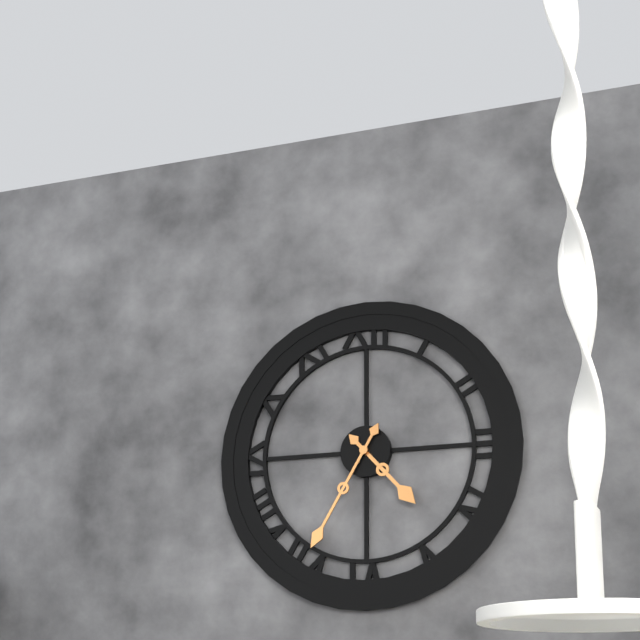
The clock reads 4h35
